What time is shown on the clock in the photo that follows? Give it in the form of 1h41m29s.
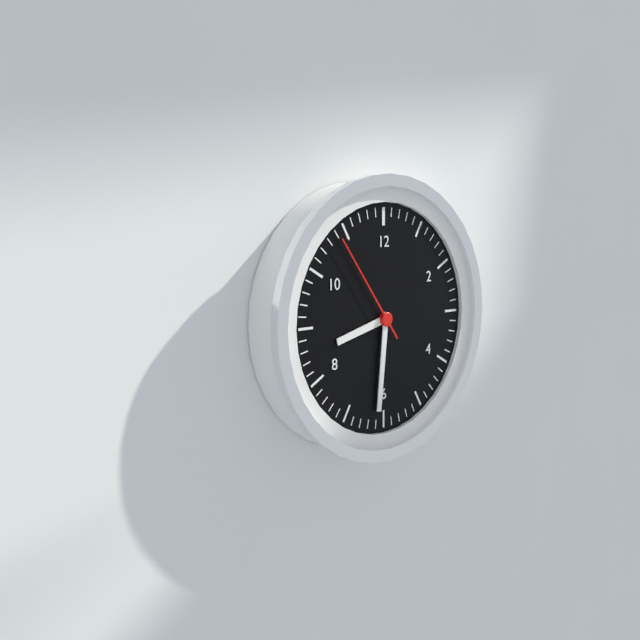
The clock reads 8h31m54s
